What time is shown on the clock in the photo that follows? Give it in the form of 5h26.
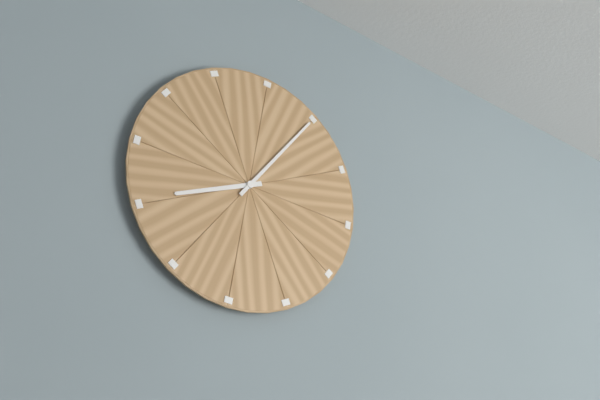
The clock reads 8h05
